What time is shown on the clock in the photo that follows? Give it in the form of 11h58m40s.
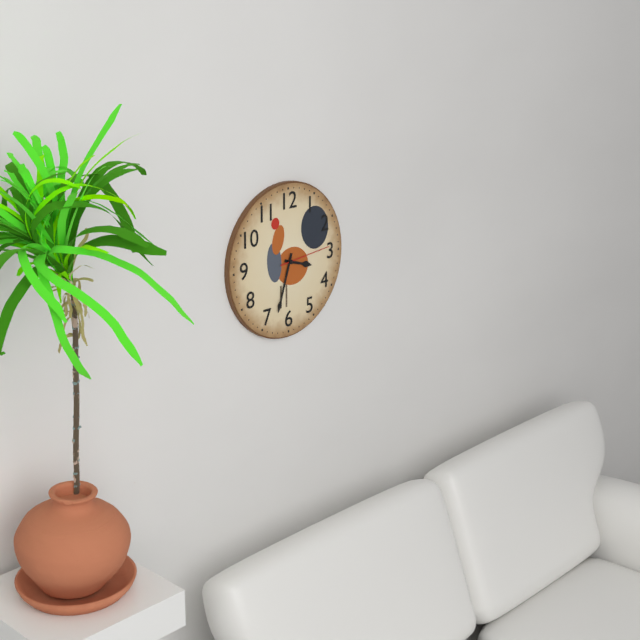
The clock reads 3h33m14s
